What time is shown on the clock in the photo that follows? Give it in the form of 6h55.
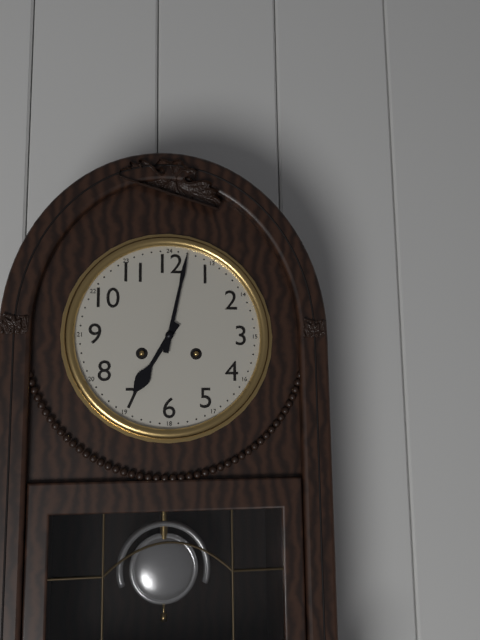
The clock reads 7h02
